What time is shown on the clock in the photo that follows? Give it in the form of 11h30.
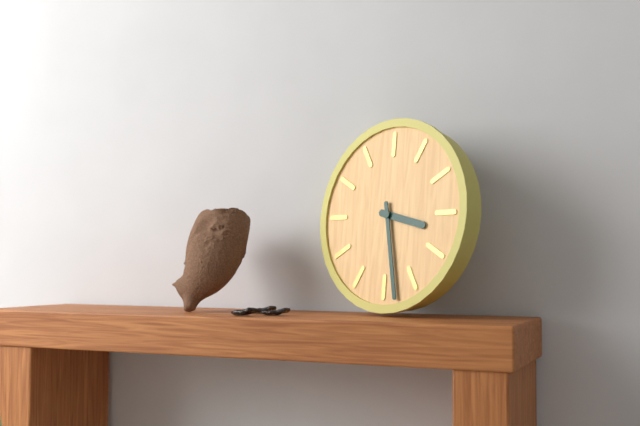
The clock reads 3h28
